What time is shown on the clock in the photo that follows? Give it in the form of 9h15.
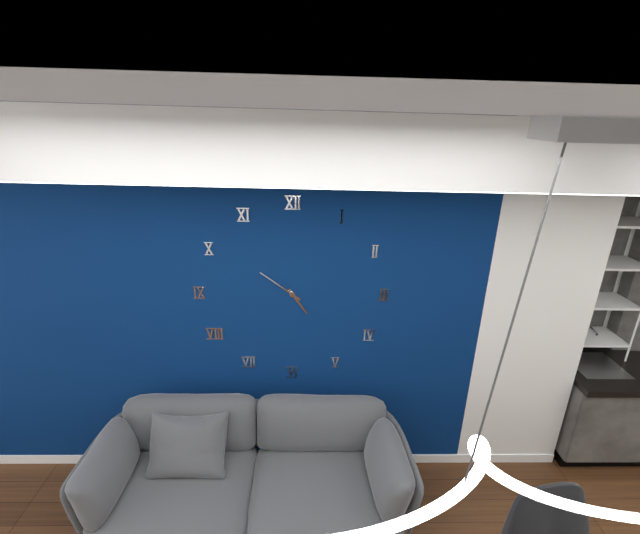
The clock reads 4h51
